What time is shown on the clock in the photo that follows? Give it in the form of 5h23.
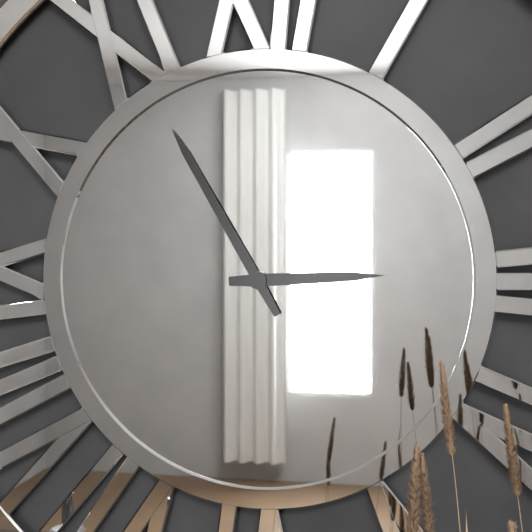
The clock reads 2h55
